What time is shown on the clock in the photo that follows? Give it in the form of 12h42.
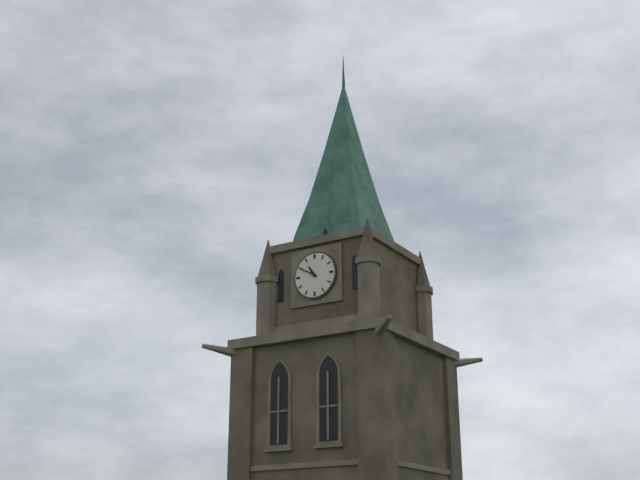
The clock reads 10h50
